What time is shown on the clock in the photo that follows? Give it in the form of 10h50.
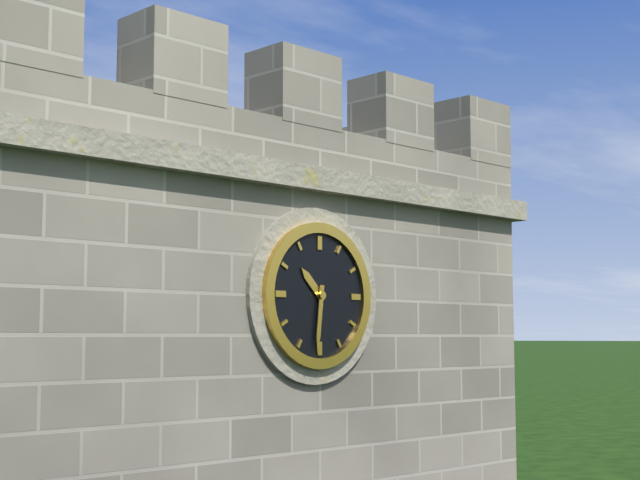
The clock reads 10h31
